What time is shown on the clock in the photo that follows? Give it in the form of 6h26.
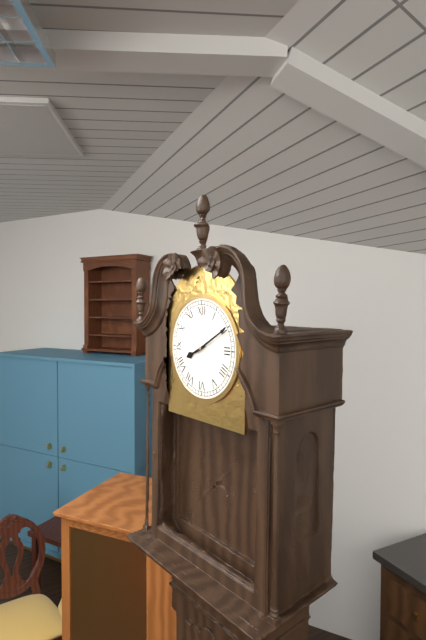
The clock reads 8h10
